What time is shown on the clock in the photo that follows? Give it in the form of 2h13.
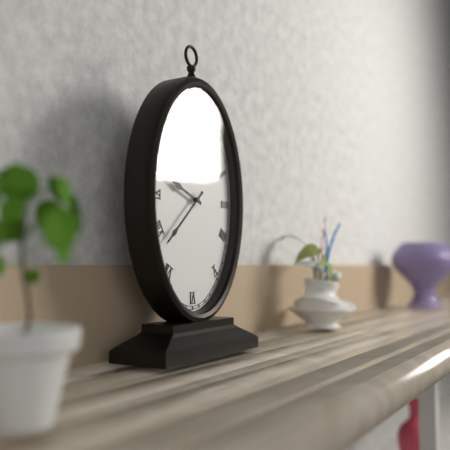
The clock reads 9h38
